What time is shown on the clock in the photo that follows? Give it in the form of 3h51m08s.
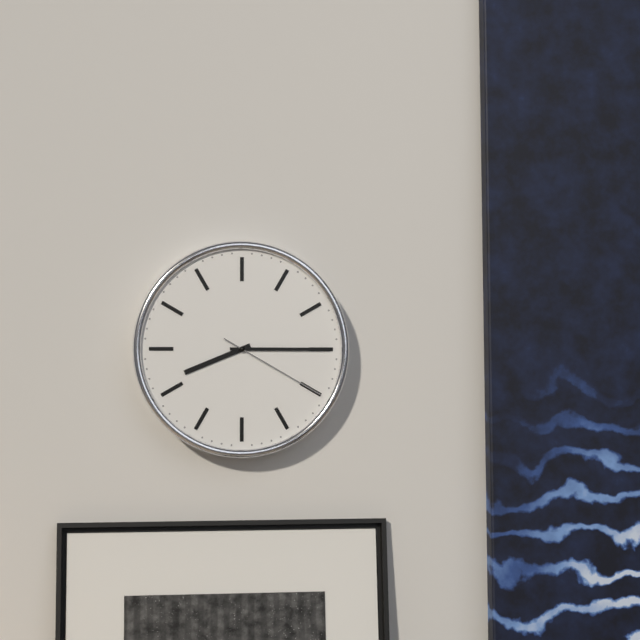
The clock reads 8h15m20s
